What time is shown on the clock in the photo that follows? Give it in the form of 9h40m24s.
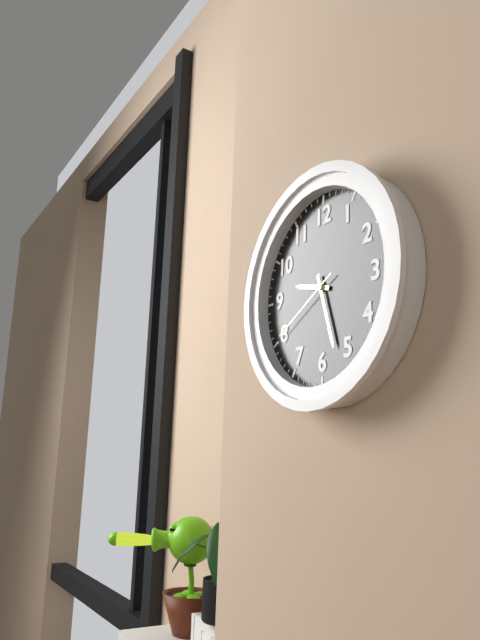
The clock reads 9h27m40s
